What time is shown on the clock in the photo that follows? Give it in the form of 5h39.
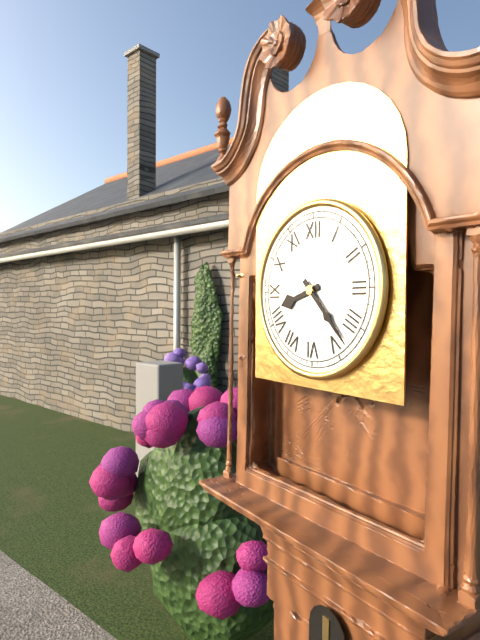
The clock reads 8h23
